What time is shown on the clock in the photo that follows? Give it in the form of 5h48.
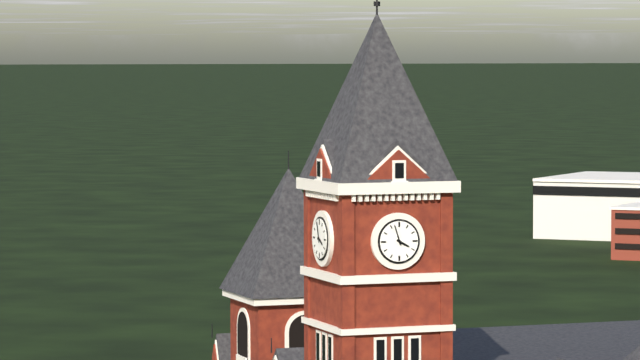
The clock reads 3h57
